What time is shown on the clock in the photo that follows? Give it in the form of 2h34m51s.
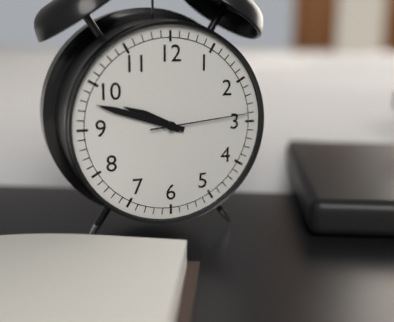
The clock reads 9h48m14s
